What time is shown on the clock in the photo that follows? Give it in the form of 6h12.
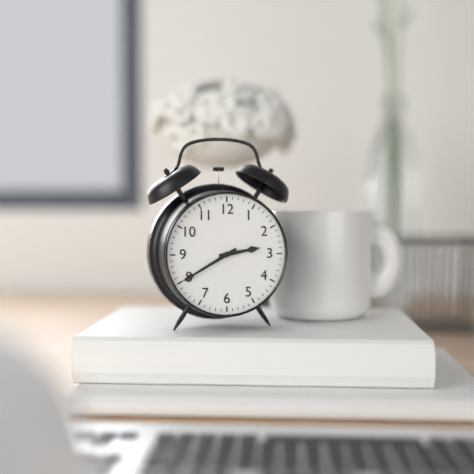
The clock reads 2h40
